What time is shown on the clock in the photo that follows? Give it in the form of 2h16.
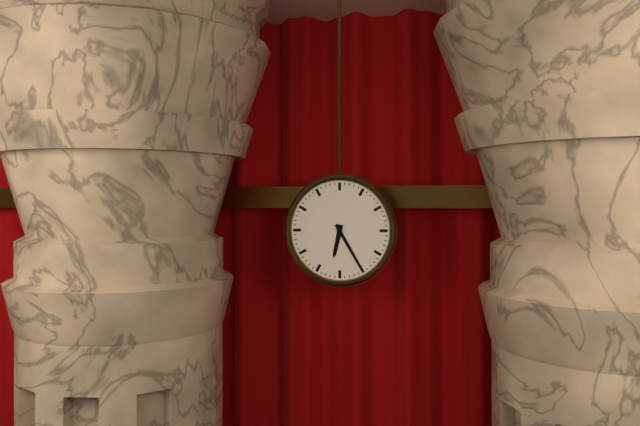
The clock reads 6h25
